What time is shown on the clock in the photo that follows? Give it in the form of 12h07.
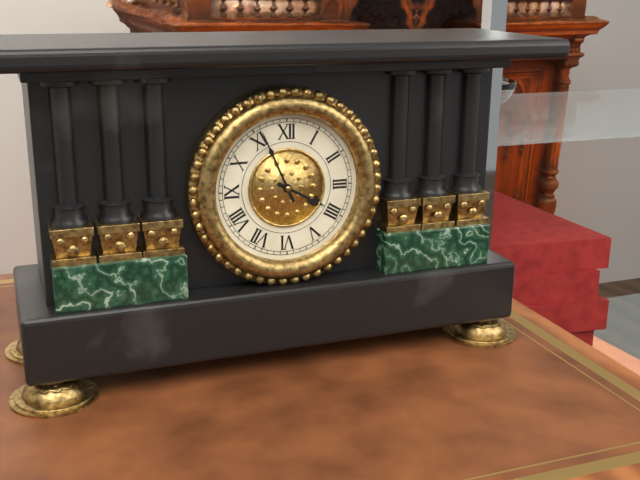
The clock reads 3h56
